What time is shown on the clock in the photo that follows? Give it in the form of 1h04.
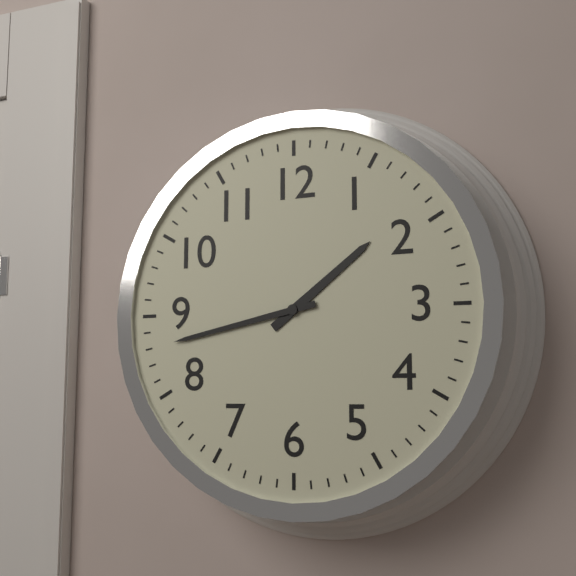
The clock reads 1h43
